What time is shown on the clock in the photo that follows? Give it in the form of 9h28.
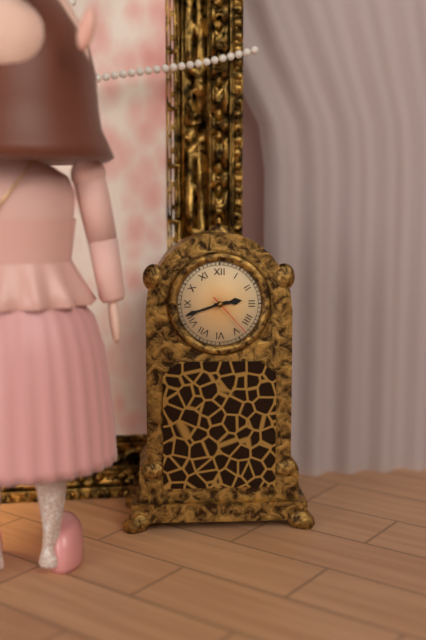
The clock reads 2h42
